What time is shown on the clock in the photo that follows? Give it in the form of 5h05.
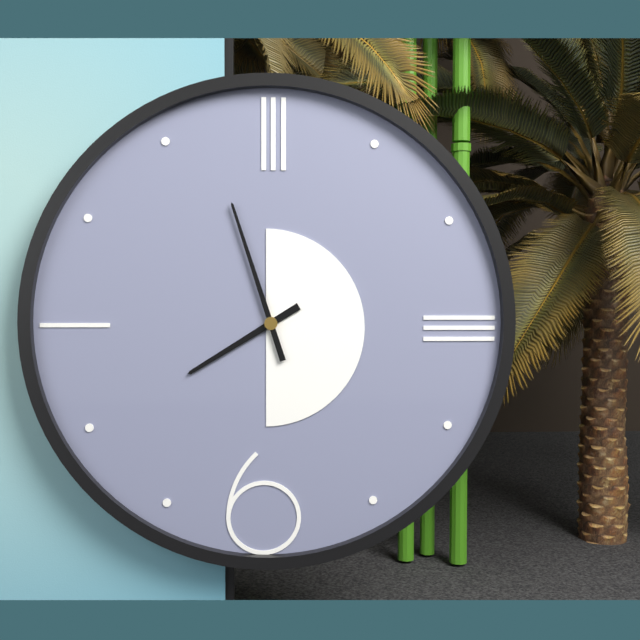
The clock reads 7h57
